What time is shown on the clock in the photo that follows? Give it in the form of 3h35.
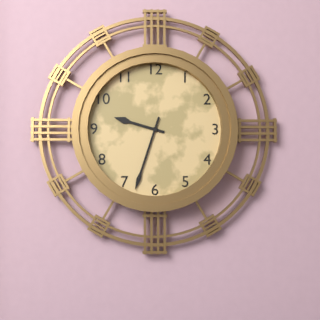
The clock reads 9h33
